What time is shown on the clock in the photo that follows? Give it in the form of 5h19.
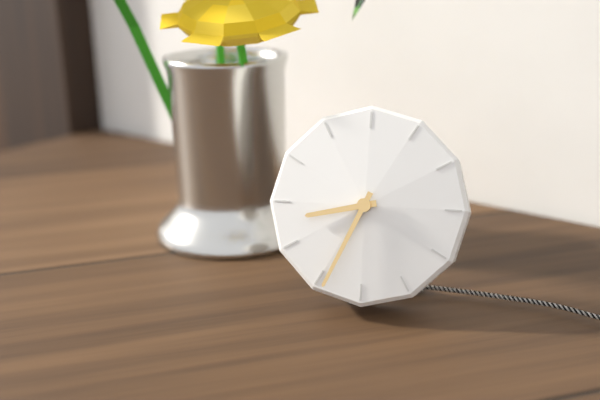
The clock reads 8h34
